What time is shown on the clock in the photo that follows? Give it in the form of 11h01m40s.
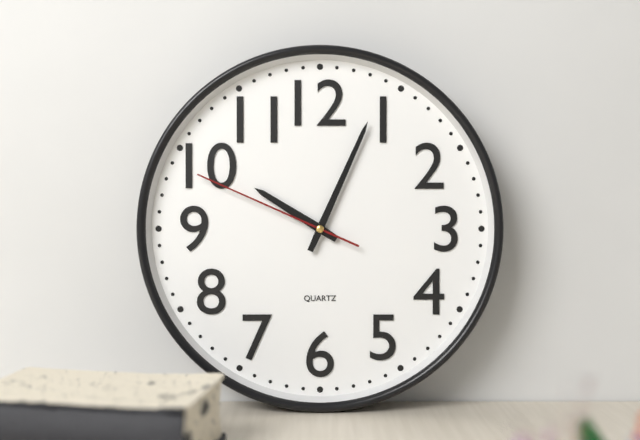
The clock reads 10h04m49s
